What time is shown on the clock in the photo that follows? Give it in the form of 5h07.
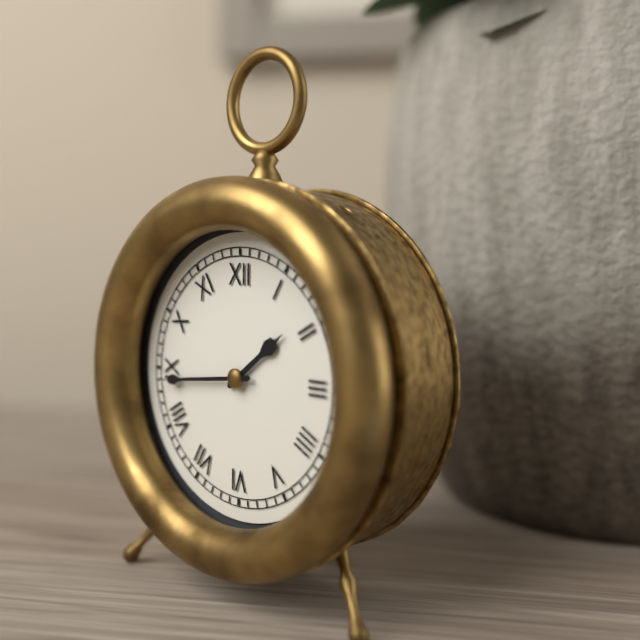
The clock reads 1h44
